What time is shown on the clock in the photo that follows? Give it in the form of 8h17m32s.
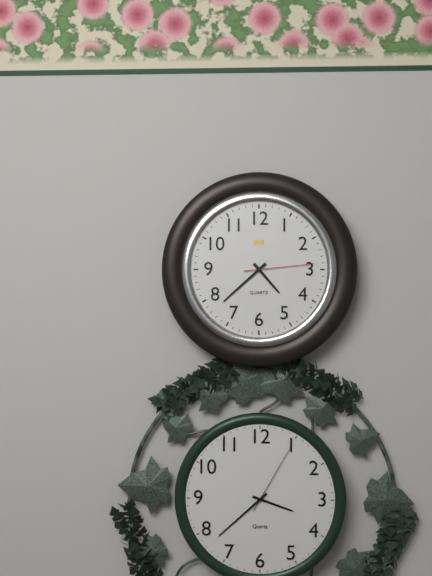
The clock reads 4h38m14s
